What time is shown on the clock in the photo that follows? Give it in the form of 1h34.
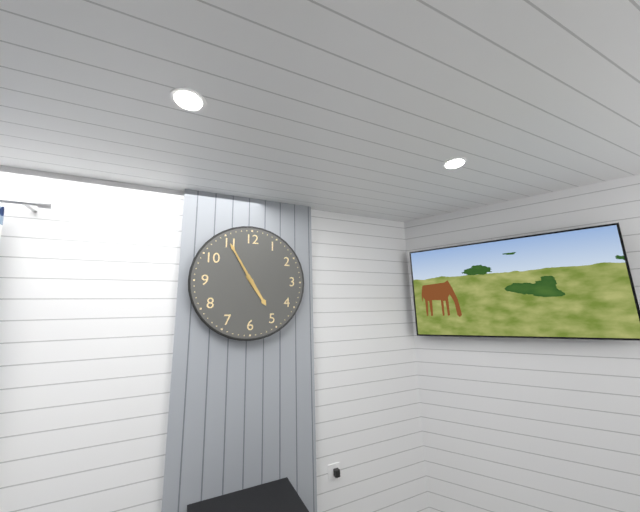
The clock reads 4h55
